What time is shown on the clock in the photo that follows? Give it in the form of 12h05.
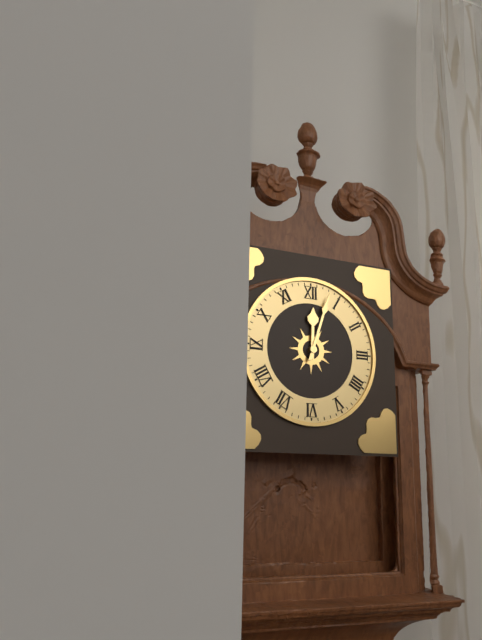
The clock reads 12h03
